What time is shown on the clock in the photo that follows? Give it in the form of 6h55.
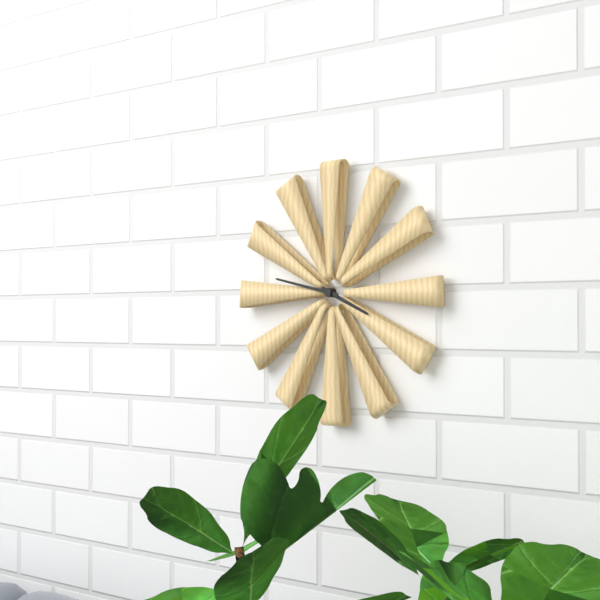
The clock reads 3h47
